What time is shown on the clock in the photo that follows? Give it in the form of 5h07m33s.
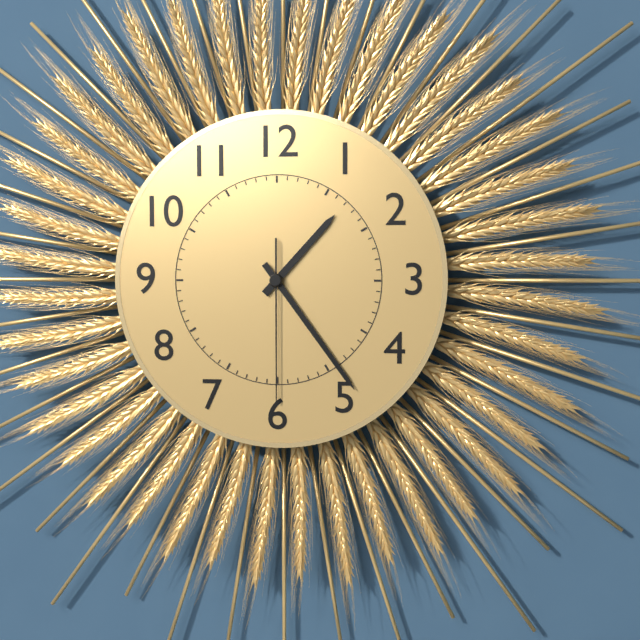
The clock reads 1h24m30s
